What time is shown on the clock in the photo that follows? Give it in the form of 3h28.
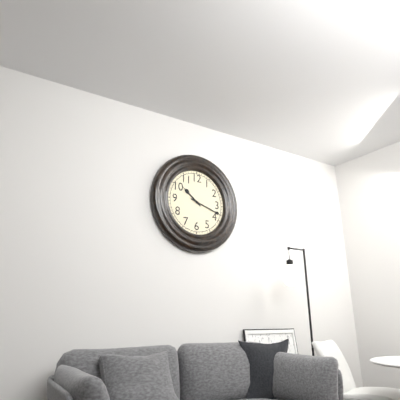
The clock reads 10h18
